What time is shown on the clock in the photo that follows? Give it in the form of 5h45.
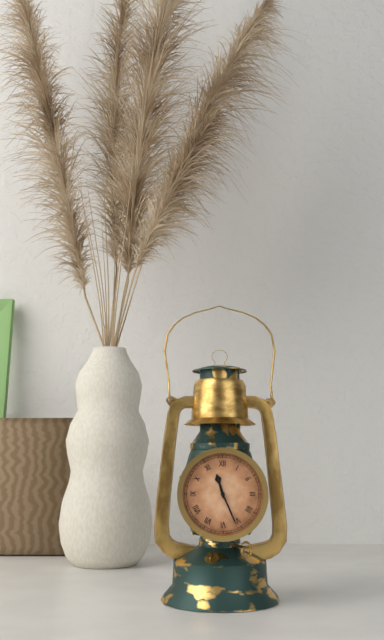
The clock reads 11h26
